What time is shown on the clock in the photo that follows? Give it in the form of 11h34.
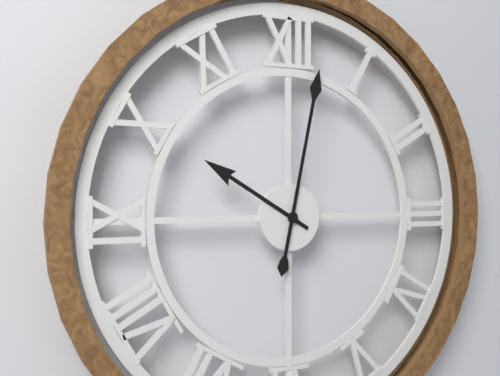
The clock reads 10h02
